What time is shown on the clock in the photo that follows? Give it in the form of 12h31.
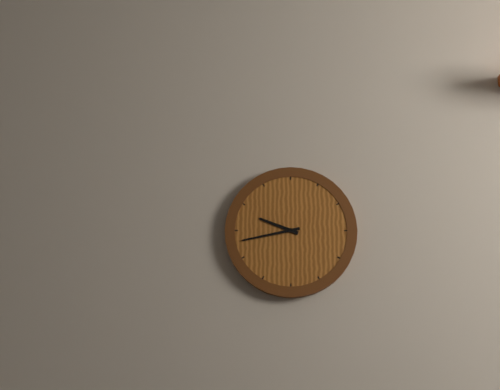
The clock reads 9h43
